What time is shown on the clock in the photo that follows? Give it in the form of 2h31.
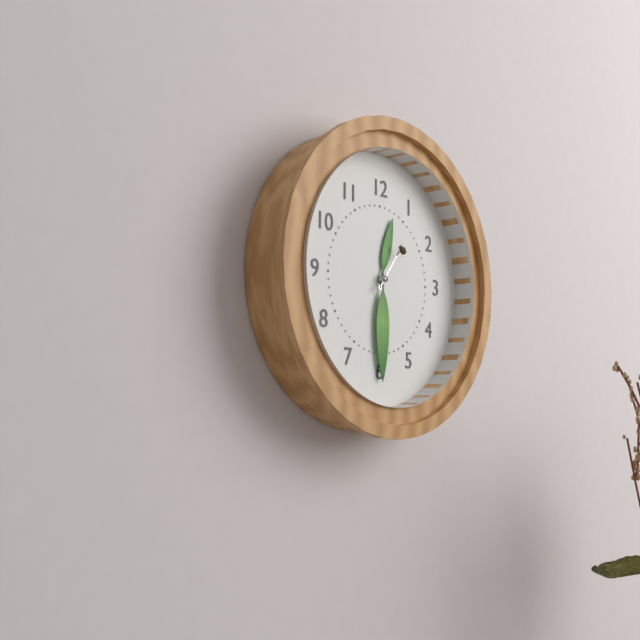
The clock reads 12h30
